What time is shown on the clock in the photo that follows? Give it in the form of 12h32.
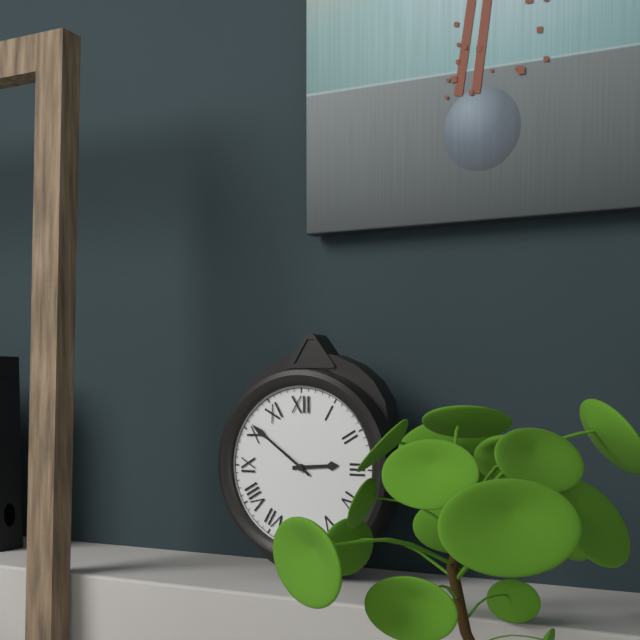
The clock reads 2h51
